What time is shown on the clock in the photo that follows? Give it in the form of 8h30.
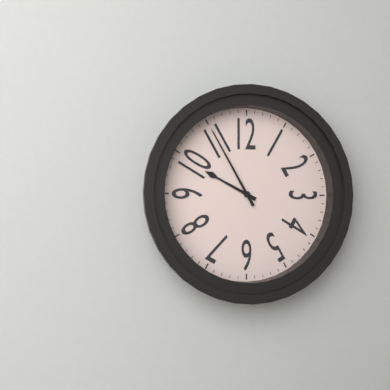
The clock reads 9h55
